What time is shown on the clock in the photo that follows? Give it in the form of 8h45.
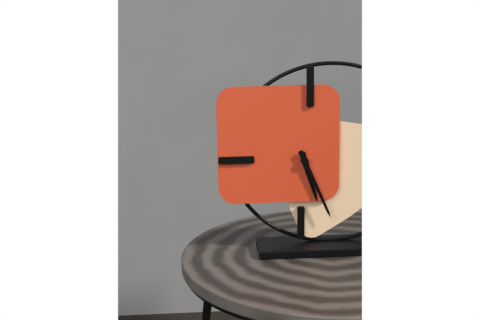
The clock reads 5h26
